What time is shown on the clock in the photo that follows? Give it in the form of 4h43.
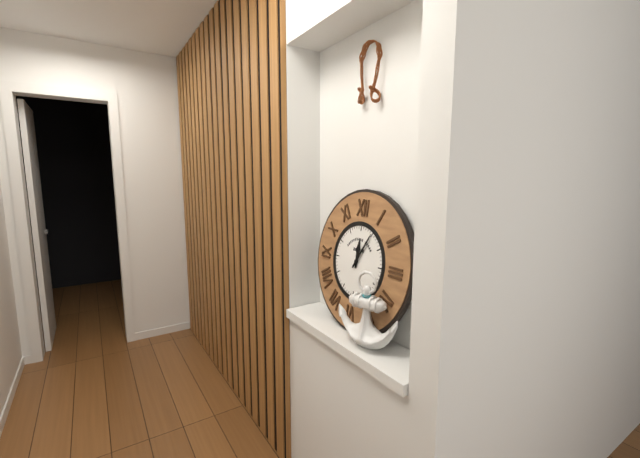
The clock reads 12h05
